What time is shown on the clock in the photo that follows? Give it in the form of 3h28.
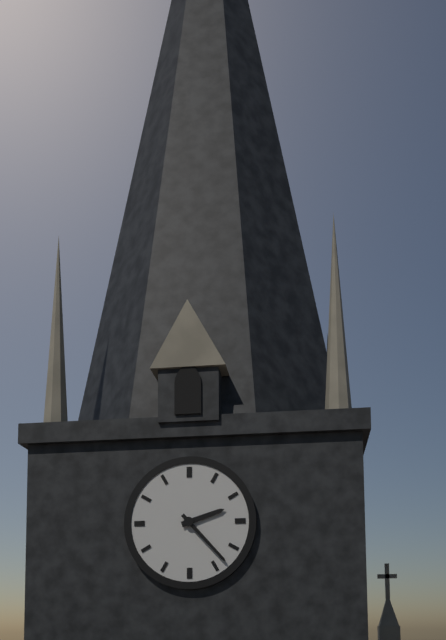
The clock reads 2h23
